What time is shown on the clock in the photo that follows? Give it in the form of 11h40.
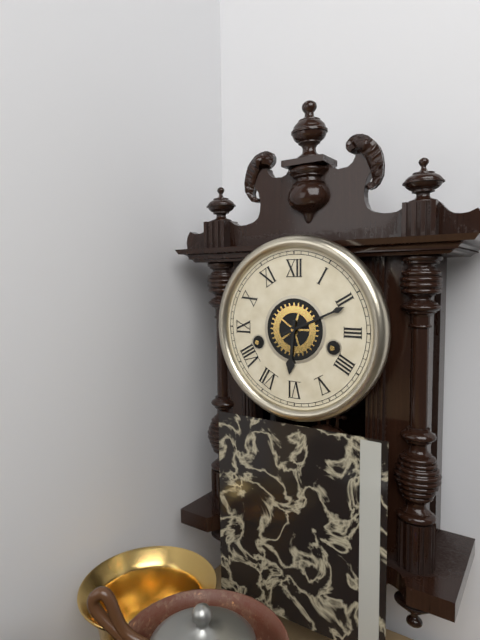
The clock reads 6h11
